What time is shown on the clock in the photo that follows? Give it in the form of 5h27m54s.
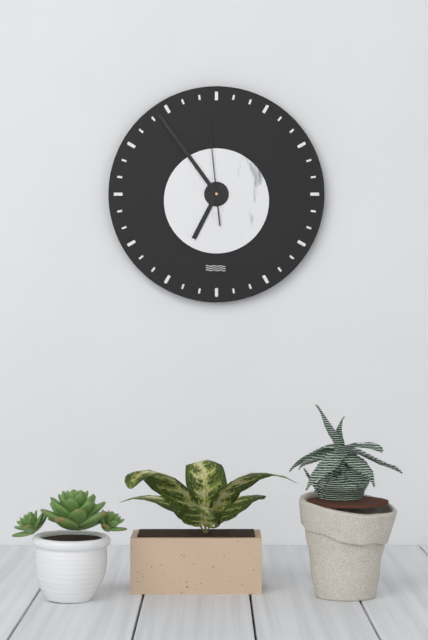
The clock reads 6h54m59s
